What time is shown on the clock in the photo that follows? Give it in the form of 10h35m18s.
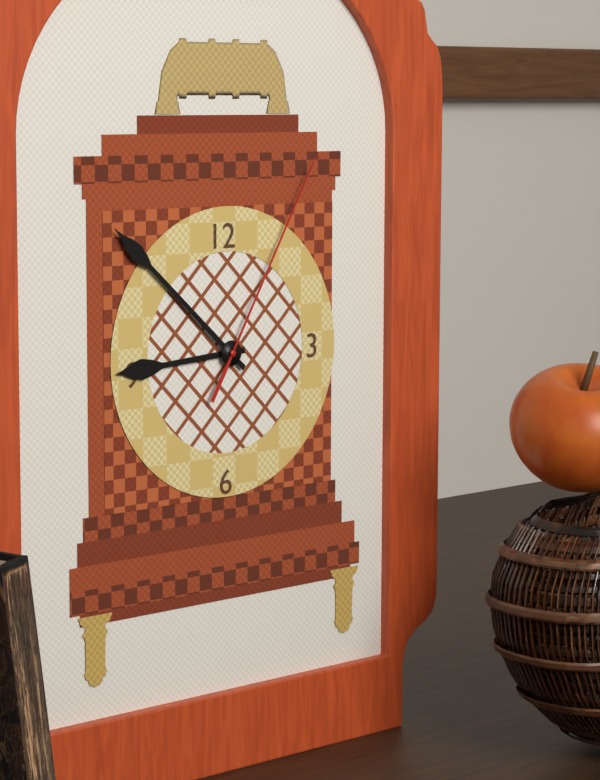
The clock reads 8h52m05s
